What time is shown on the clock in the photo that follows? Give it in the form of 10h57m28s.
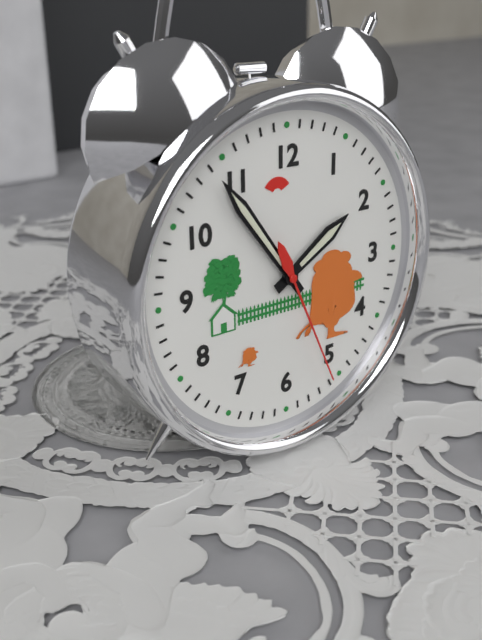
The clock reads 1h54m26s
